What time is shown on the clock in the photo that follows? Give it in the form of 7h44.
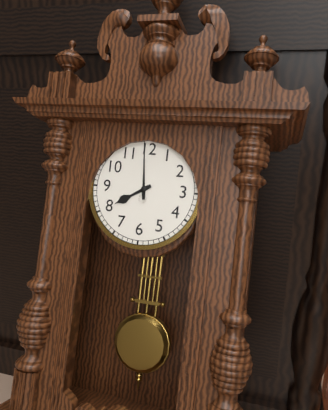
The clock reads 7h59
